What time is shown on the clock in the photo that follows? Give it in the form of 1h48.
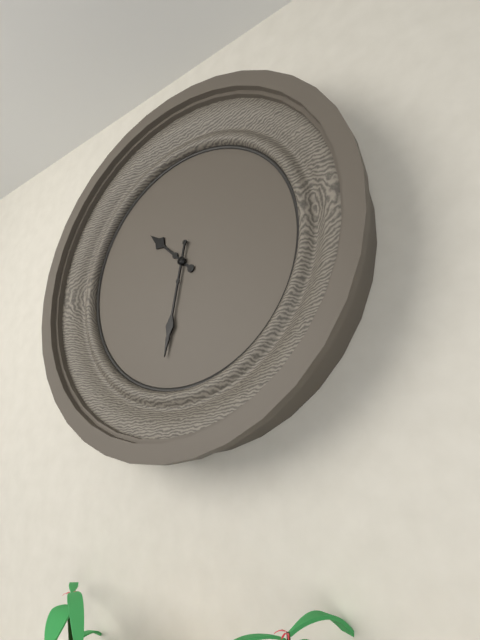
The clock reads 10h32
